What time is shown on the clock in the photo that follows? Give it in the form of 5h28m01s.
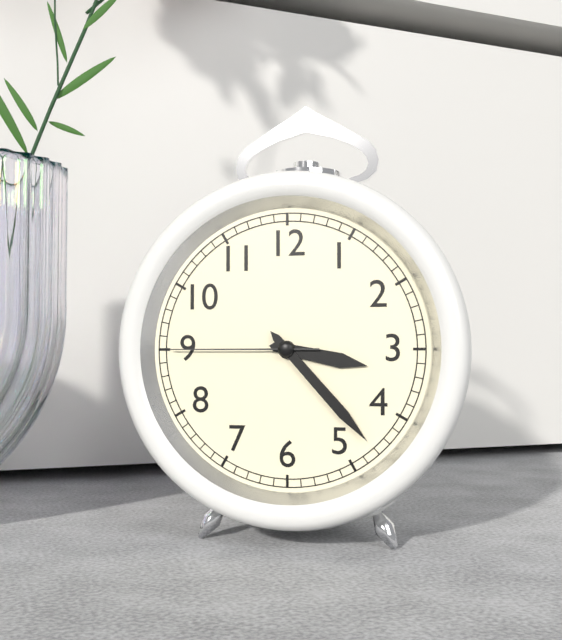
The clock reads 3h23m45s
